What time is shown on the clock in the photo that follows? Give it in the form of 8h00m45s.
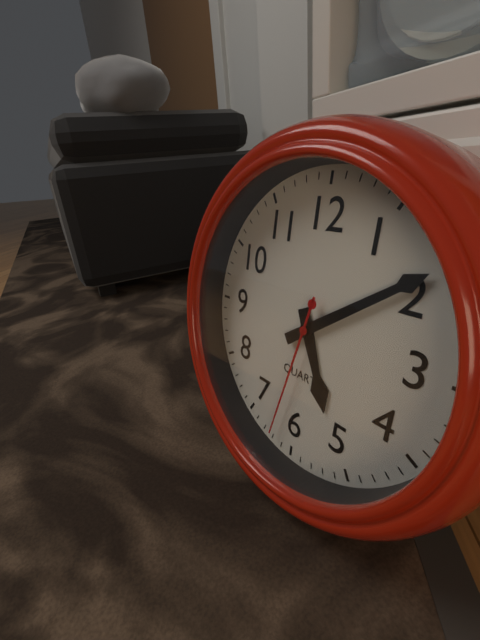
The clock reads 5h09m32s
